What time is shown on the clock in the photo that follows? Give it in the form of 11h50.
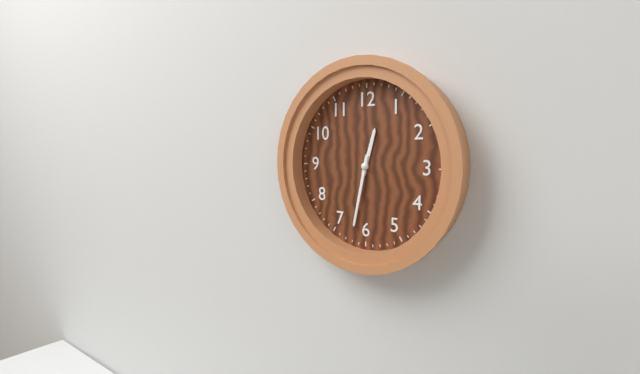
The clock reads 12h32
